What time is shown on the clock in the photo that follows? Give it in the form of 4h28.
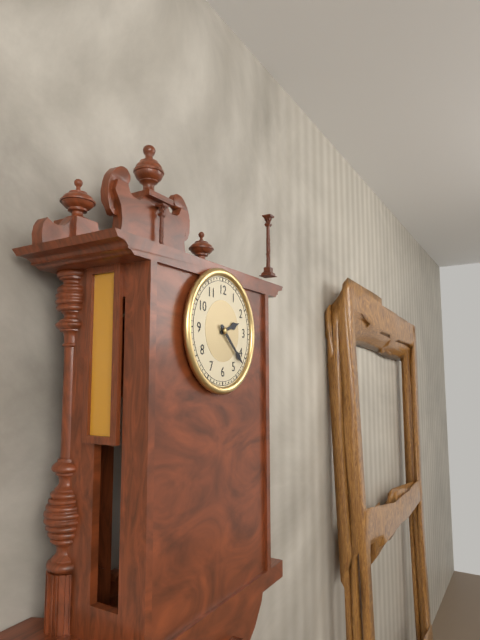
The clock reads 2h22
